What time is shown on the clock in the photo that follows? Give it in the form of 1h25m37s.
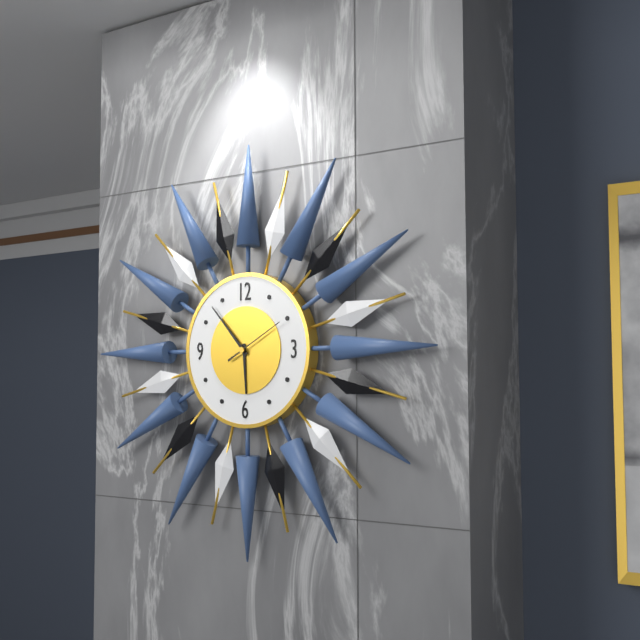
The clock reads 5h53m10s
